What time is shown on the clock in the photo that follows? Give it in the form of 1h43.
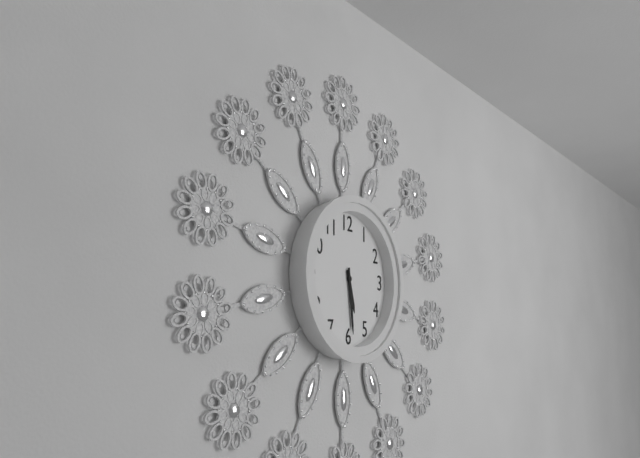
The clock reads 5h29
